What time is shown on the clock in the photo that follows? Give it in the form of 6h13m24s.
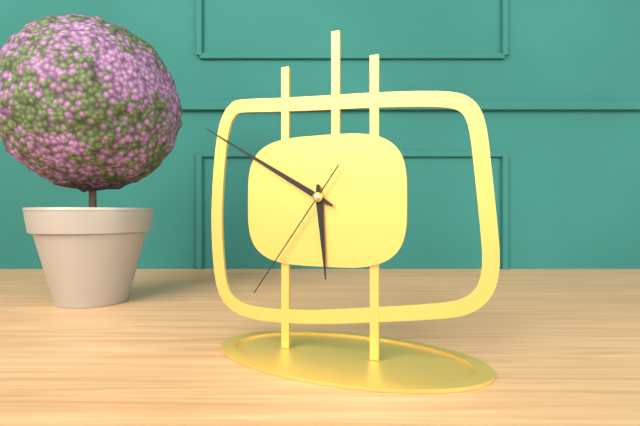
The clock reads 5h50m36s
